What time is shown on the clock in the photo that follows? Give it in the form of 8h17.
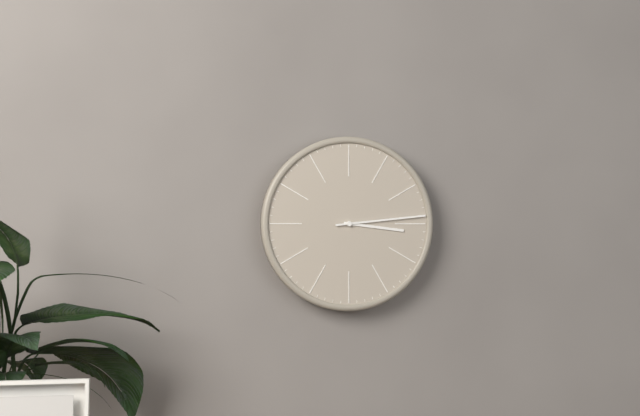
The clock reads 3h14
